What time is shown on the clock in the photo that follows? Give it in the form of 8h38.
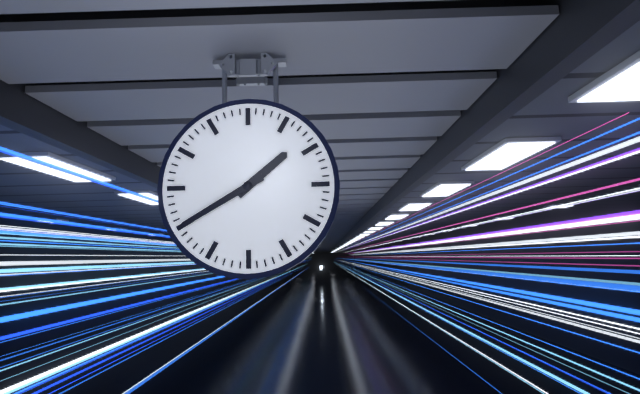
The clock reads 1h40
